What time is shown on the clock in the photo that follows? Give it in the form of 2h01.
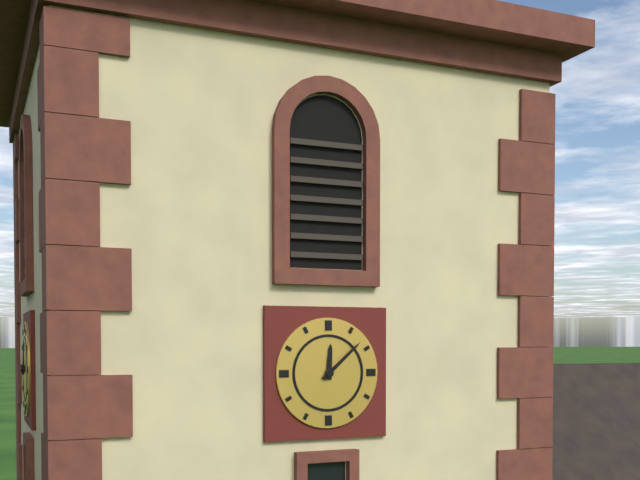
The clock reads 12h08
